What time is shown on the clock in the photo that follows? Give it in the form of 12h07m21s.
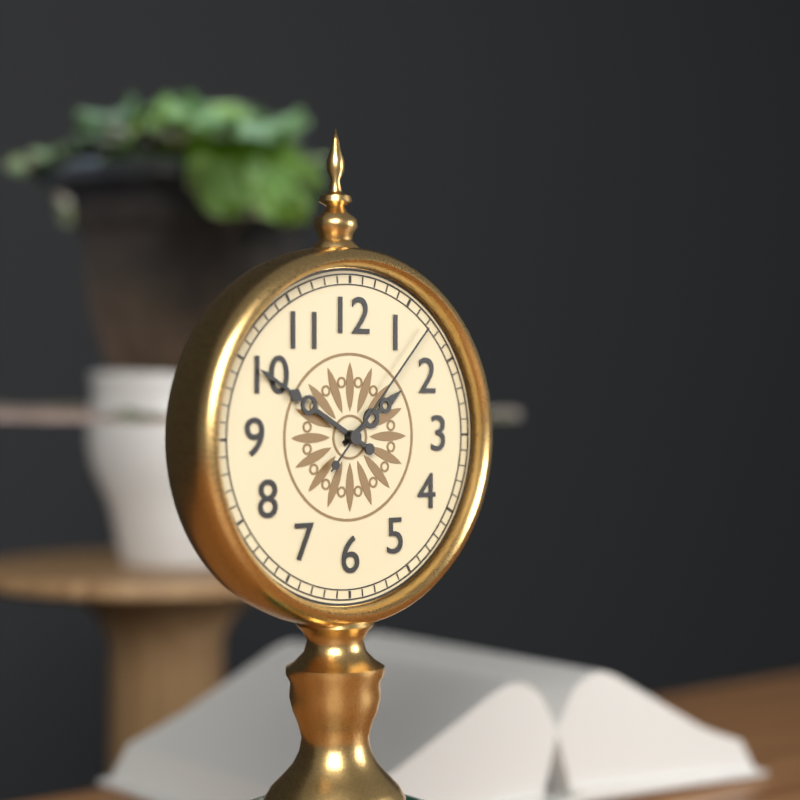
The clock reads 1h50m07s
